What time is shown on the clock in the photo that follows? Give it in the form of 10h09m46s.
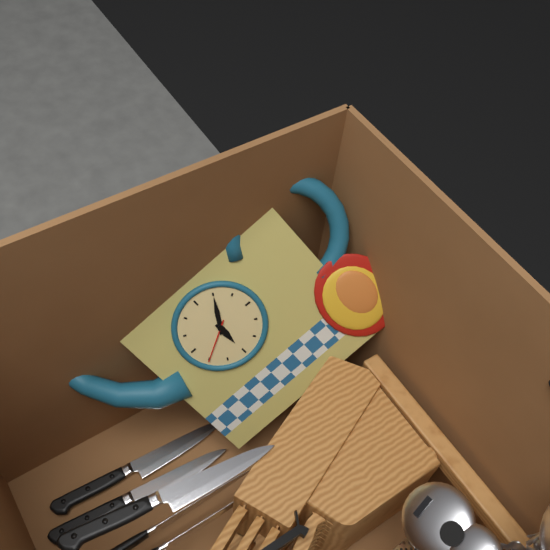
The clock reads 6h05m40s
